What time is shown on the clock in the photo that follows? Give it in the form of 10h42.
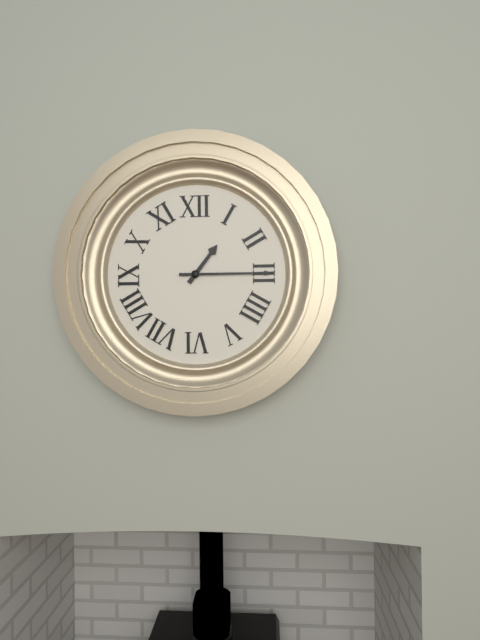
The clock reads 1h15
